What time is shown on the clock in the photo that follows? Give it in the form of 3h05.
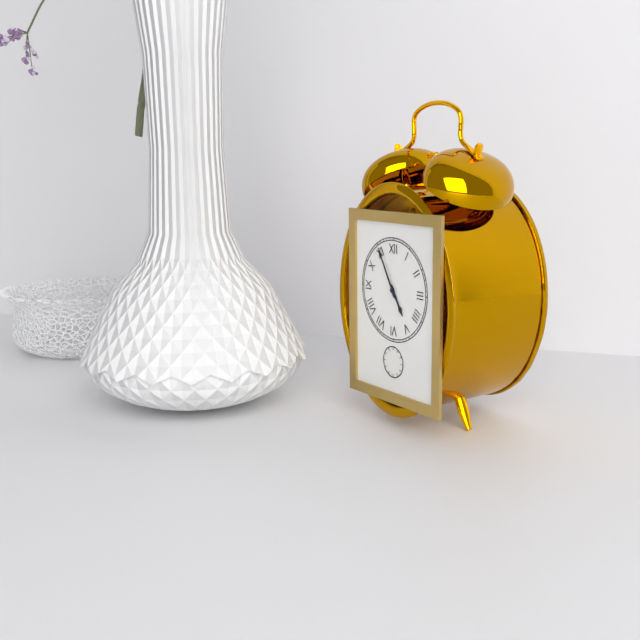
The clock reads 4h55
